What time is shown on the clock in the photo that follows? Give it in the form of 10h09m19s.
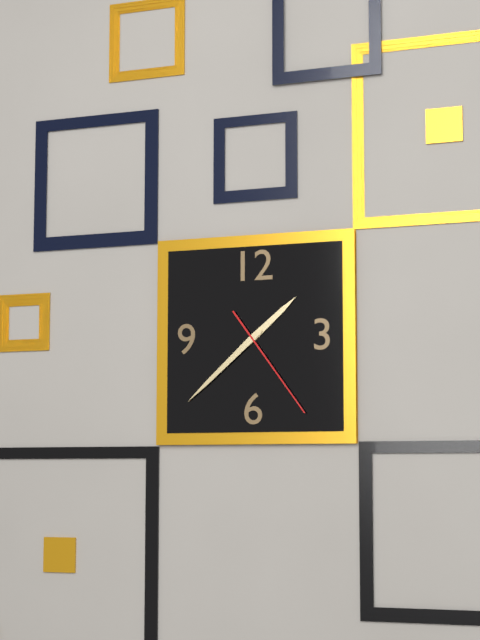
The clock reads 1h38m24s
